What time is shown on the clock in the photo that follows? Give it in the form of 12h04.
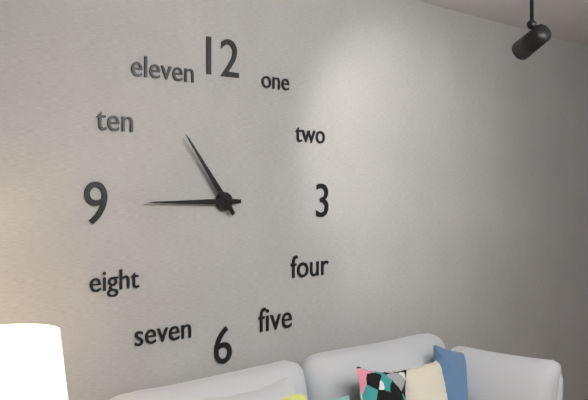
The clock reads 10h45
